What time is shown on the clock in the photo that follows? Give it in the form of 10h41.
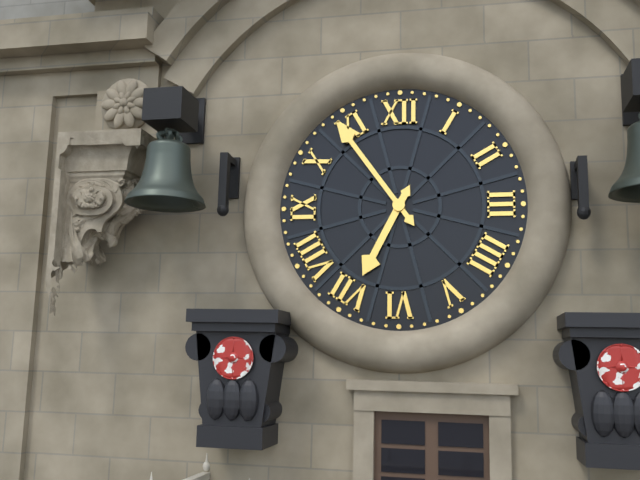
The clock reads 6h54
